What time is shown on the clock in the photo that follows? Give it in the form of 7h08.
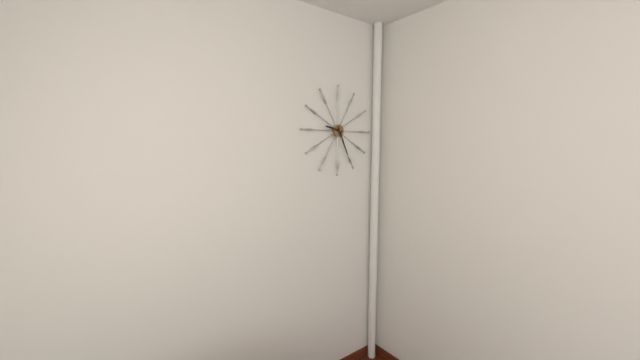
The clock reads 9h26
